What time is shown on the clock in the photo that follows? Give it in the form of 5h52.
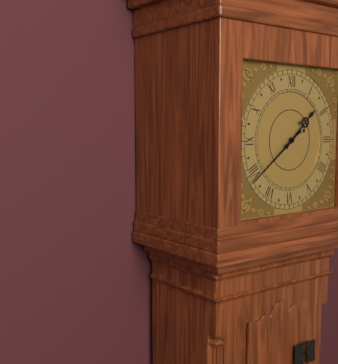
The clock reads 1h39
